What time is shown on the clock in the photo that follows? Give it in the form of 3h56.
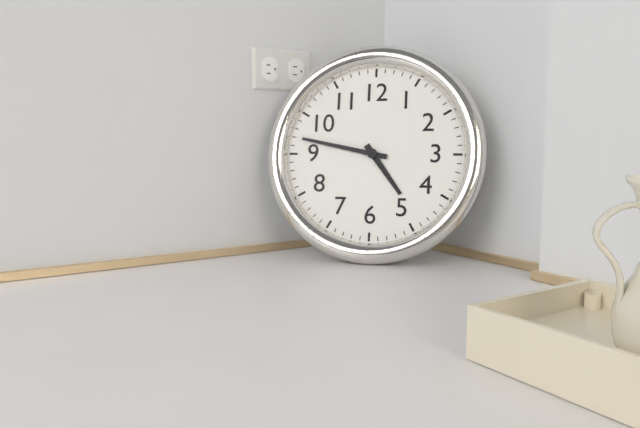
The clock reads 4h47
